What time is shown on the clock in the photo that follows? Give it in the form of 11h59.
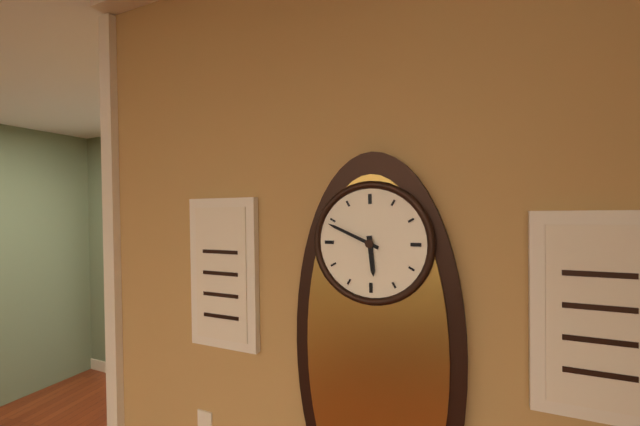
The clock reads 5h49
